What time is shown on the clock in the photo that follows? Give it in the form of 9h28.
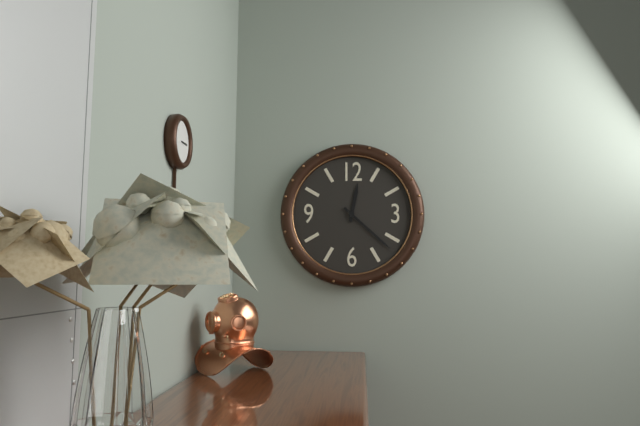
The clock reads 12h22
